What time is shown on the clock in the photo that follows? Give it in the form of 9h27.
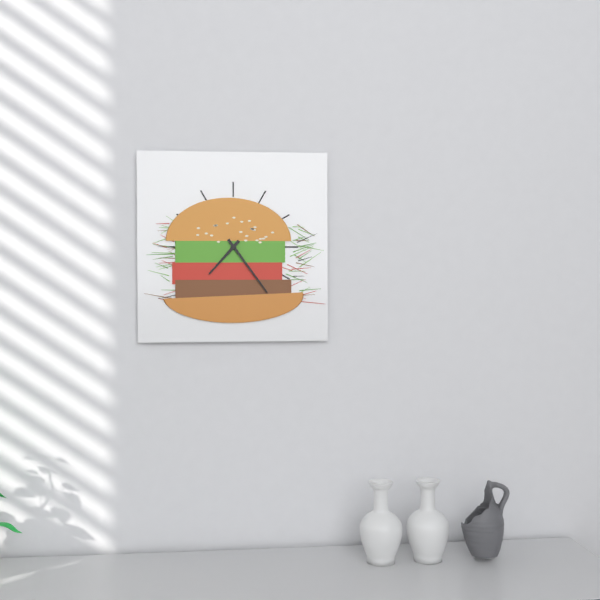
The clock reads 7h24
